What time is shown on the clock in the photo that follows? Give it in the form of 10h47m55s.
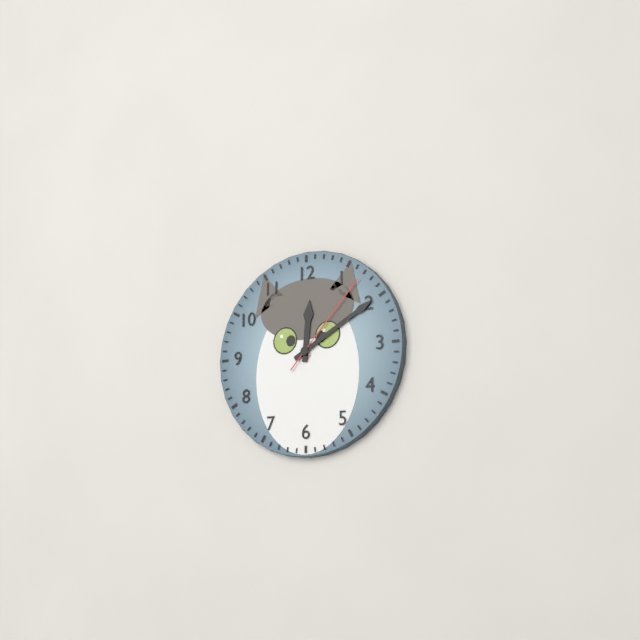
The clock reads 12h10m07s
